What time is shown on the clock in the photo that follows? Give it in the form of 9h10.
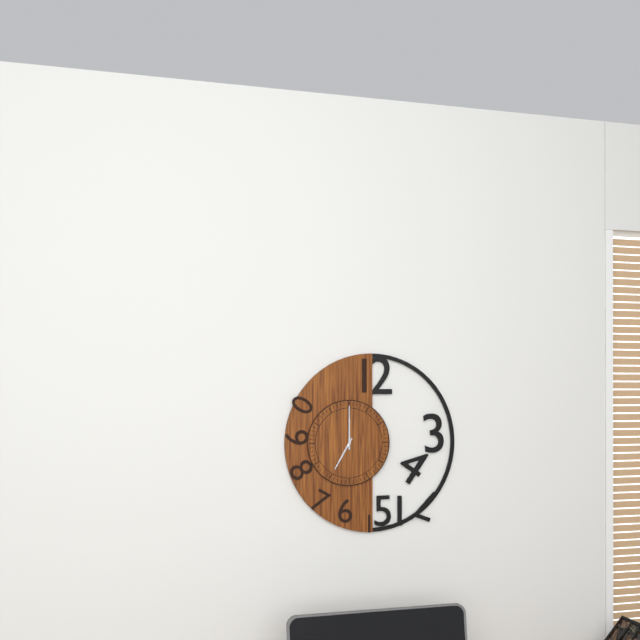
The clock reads 7h00
